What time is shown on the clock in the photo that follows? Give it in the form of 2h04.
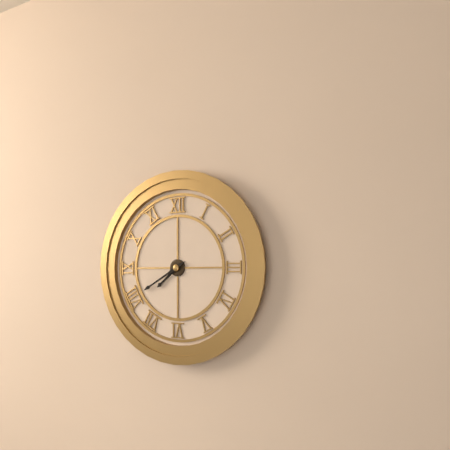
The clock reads 7h40
